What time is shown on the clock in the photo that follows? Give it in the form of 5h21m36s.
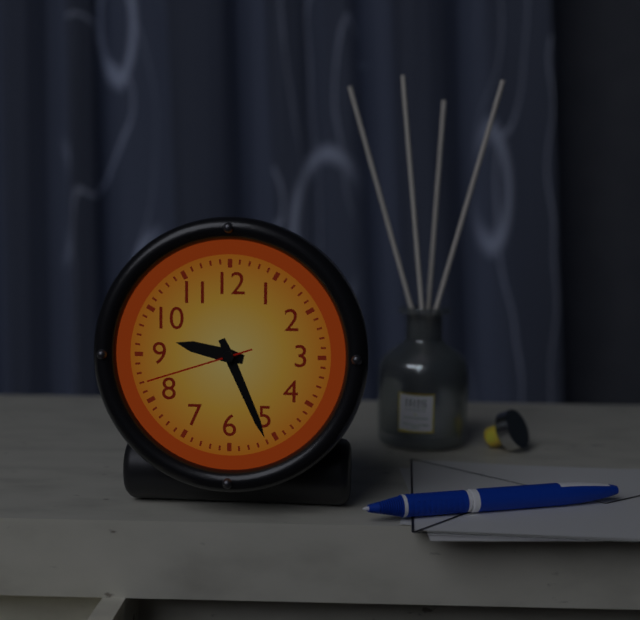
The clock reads 9h26m42s
